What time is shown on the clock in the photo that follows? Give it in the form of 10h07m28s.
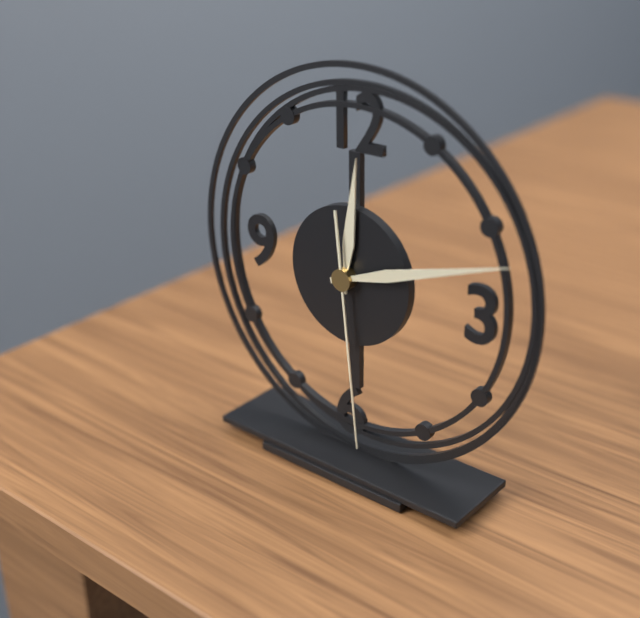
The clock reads 12h12m29s
